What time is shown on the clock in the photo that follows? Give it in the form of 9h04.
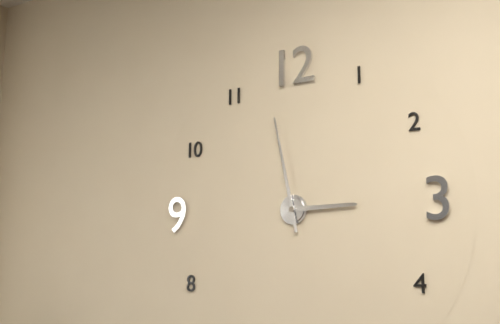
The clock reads 2h58
